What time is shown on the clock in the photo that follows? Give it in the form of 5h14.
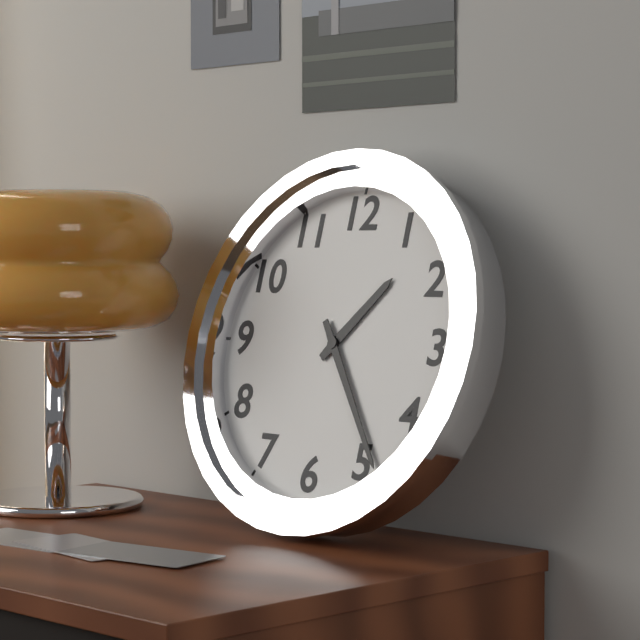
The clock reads 1h24
